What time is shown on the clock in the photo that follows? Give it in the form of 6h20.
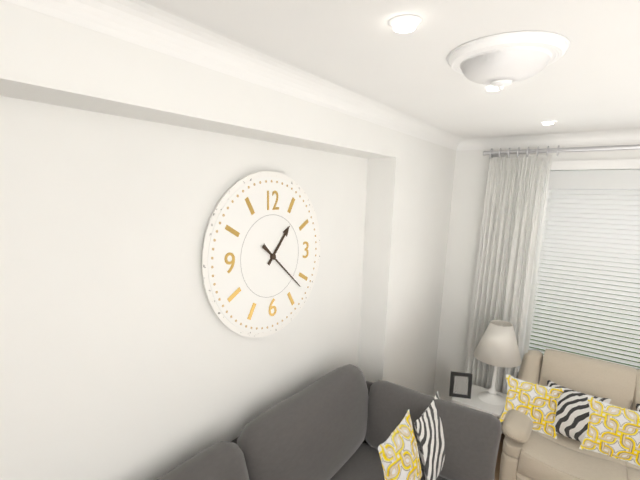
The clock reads 1h22
